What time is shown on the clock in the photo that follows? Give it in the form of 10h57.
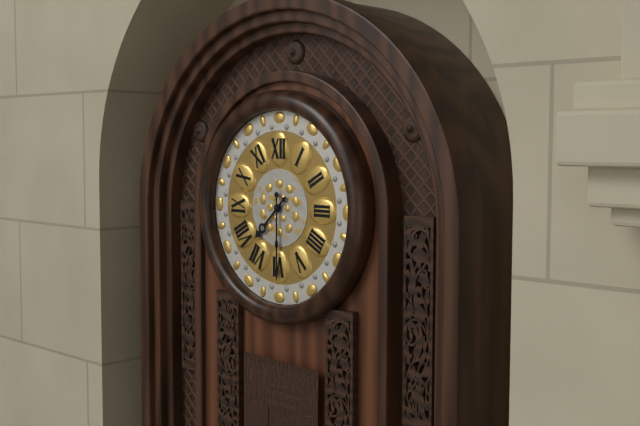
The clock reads 7h30
